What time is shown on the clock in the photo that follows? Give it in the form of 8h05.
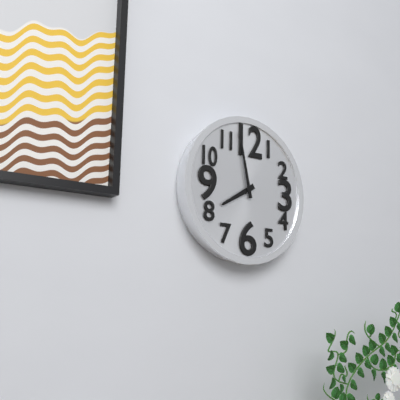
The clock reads 7h58
